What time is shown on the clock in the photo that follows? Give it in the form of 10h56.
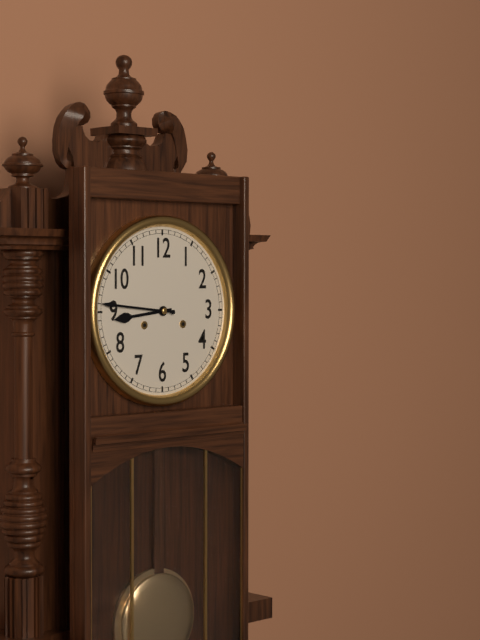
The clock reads 8h46
